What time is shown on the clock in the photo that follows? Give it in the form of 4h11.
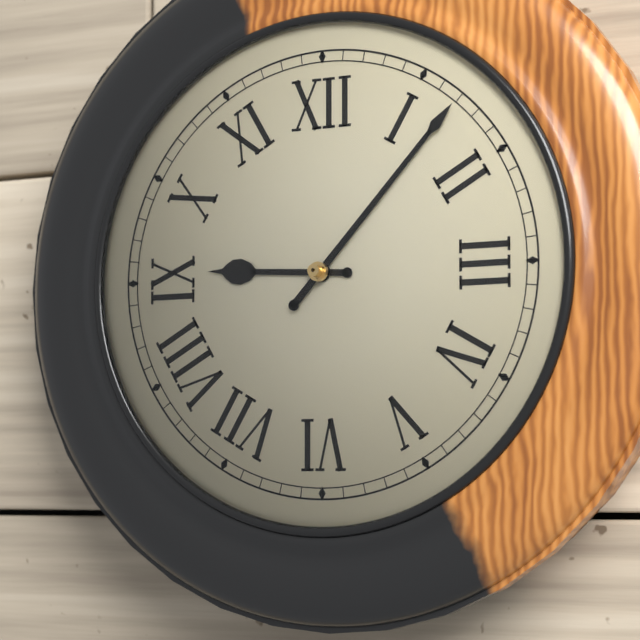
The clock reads 9h07
